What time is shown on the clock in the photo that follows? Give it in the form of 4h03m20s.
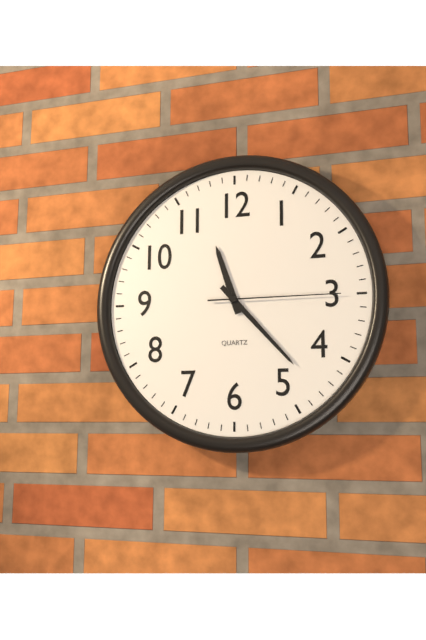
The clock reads 11h23m15s
